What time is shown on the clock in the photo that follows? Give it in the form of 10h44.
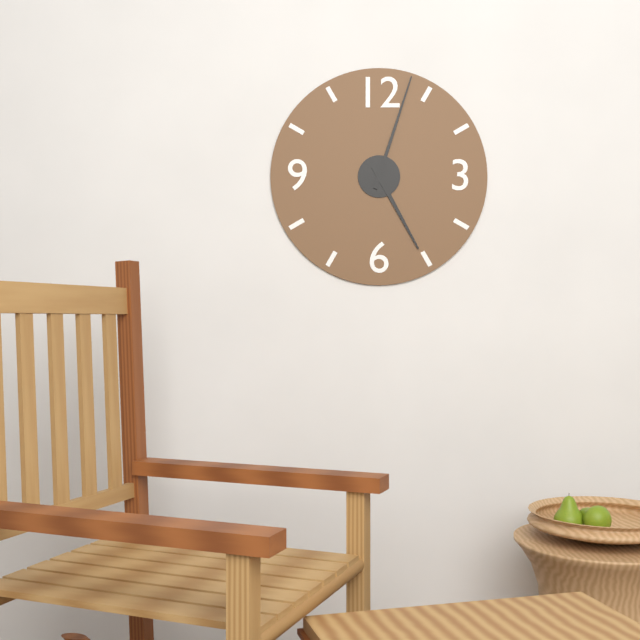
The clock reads 5h03
